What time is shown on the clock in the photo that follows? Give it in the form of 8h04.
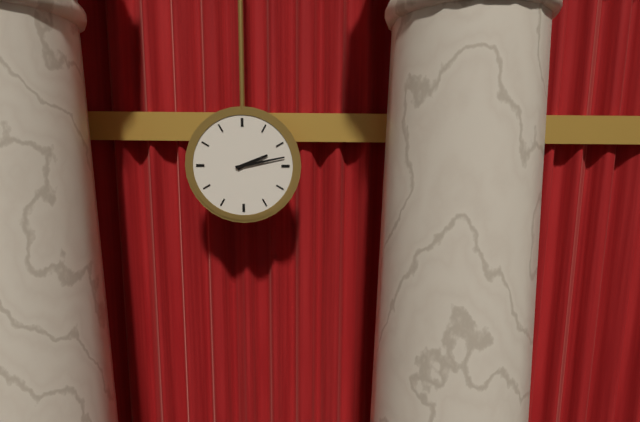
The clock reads 2h13
